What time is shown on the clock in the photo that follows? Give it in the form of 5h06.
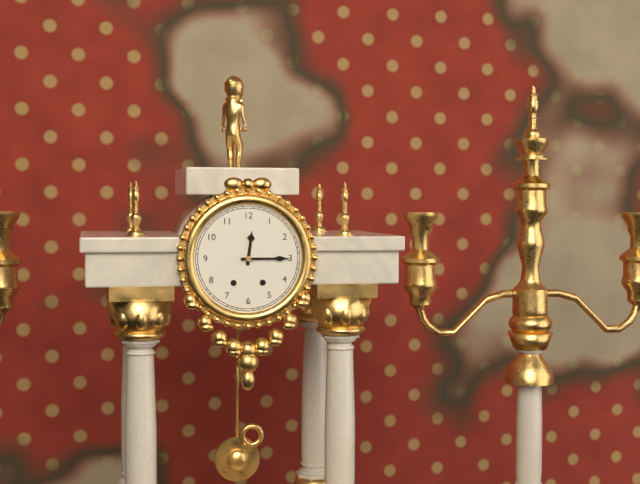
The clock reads 12h15
